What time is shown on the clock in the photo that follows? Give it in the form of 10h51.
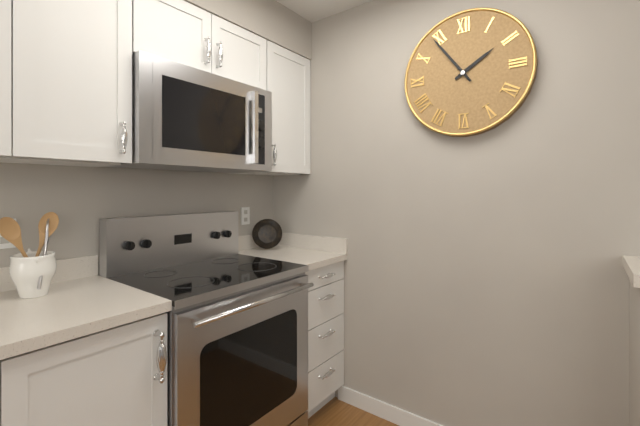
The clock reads 1h54
